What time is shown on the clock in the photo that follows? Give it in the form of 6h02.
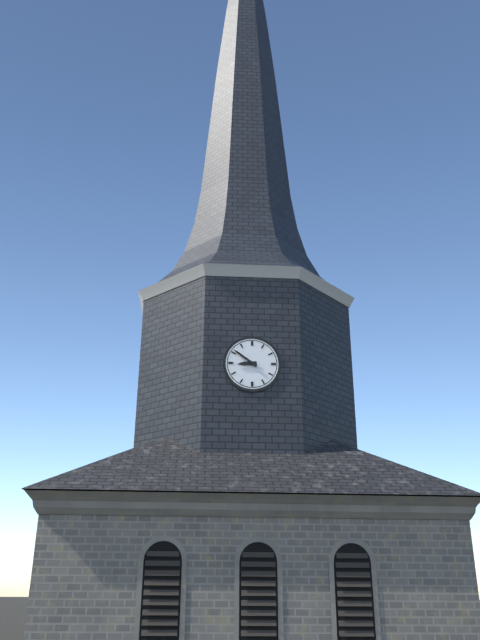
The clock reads 8h51
